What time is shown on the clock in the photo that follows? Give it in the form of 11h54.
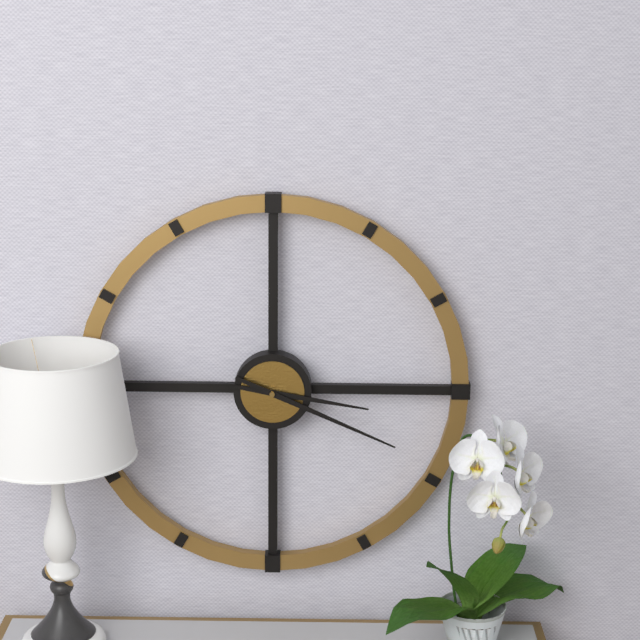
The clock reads 3h19
